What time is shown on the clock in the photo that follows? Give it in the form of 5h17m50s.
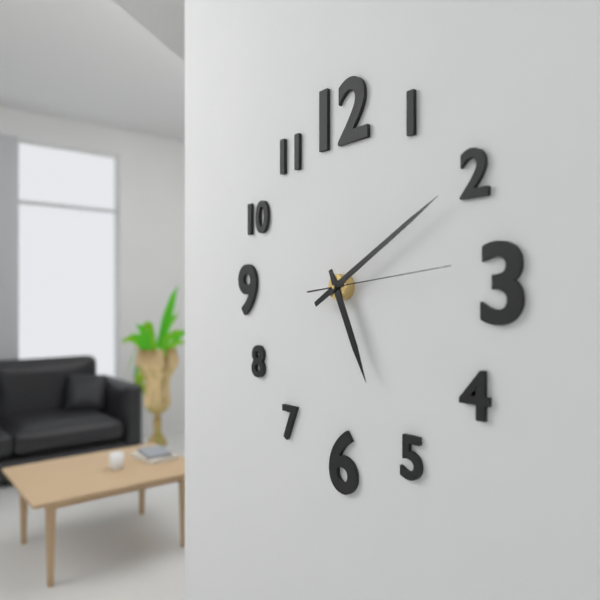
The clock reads 5h10m14s
